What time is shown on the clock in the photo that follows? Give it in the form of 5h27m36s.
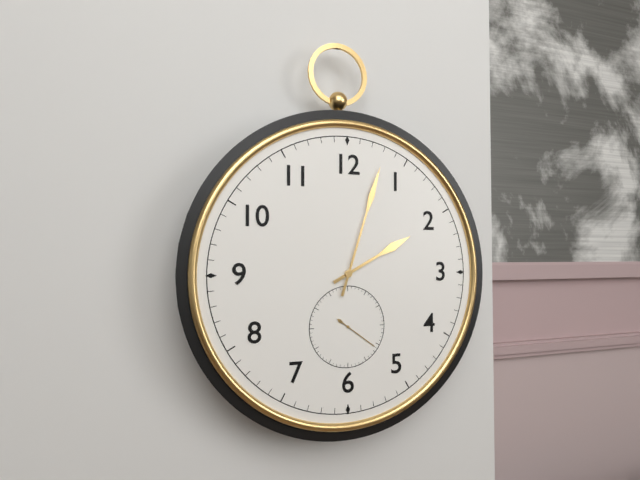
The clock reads 2h03m21s
